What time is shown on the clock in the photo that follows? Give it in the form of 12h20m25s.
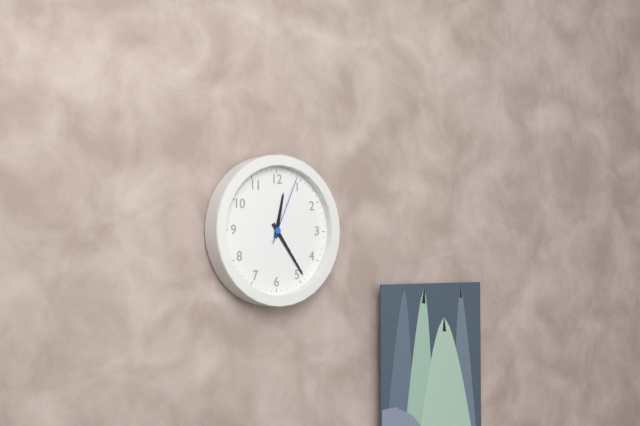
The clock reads 12h24m04s
